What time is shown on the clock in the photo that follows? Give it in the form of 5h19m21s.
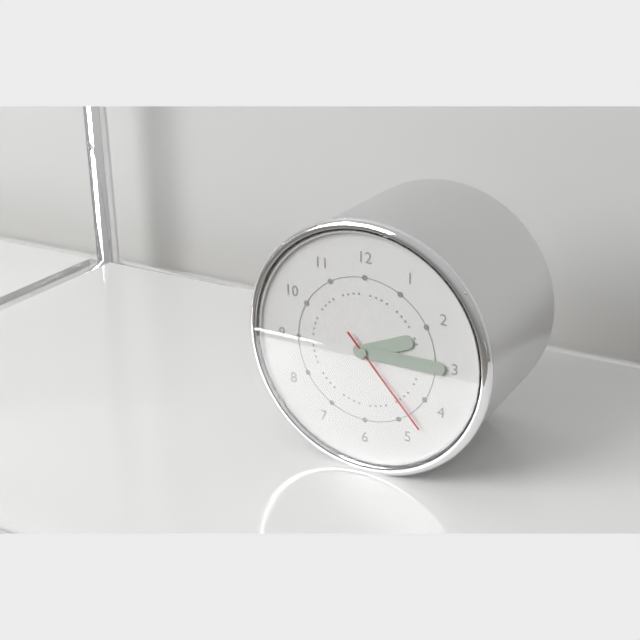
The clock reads 2h15m23s
